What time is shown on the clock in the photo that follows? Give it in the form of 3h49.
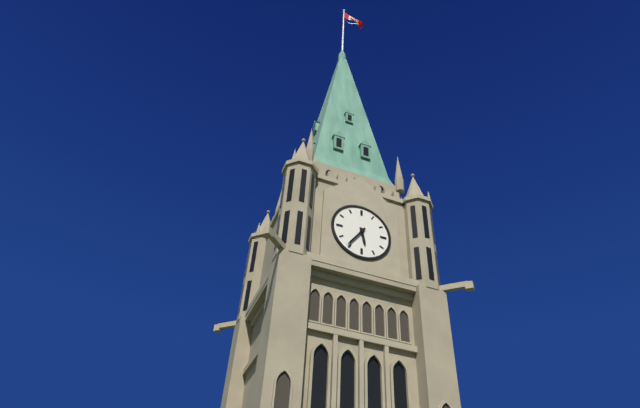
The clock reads 5h36
